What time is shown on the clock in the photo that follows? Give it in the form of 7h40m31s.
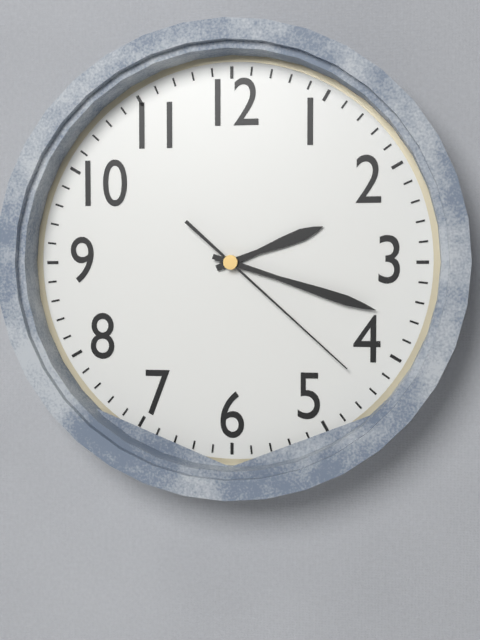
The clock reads 2h18m22s
